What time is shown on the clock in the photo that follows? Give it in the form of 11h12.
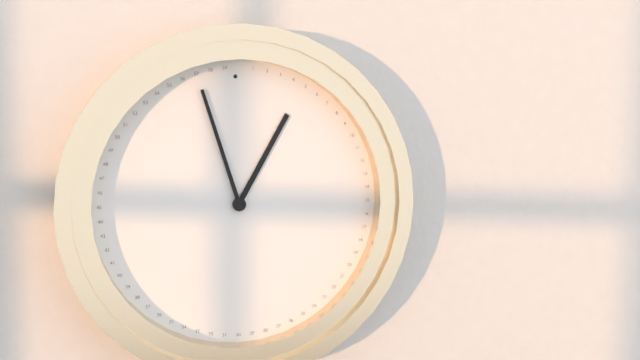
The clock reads 12h57
